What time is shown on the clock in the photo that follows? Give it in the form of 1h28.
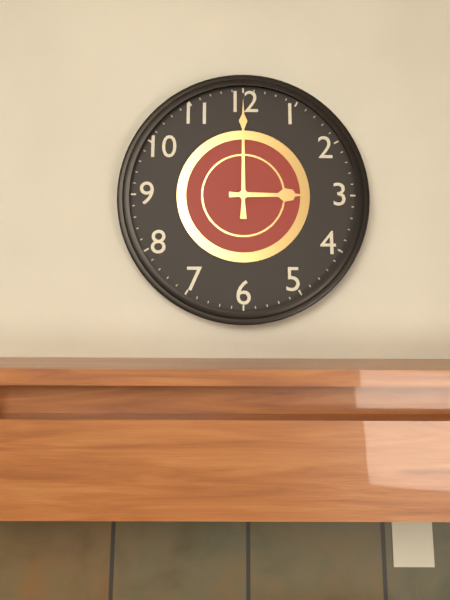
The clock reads 3h00
